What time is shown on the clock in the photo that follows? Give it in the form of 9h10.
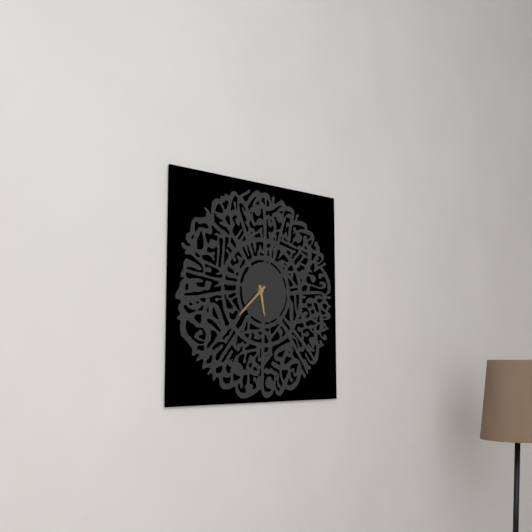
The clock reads 5h38
